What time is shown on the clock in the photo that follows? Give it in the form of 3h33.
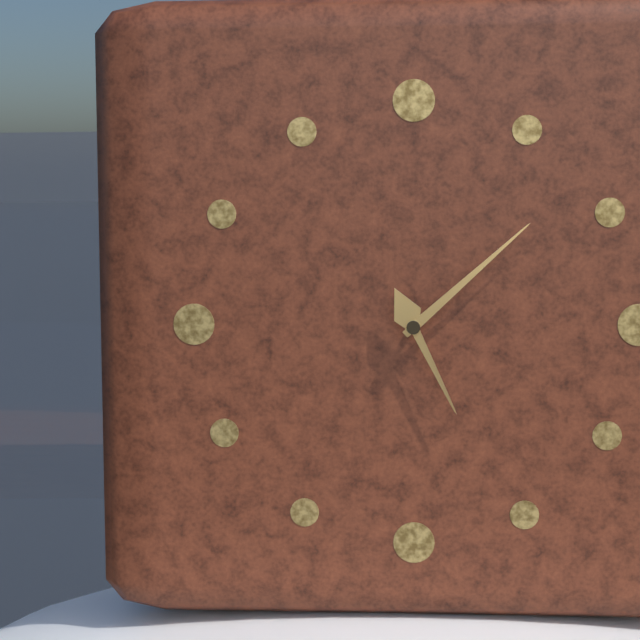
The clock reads 5h08
